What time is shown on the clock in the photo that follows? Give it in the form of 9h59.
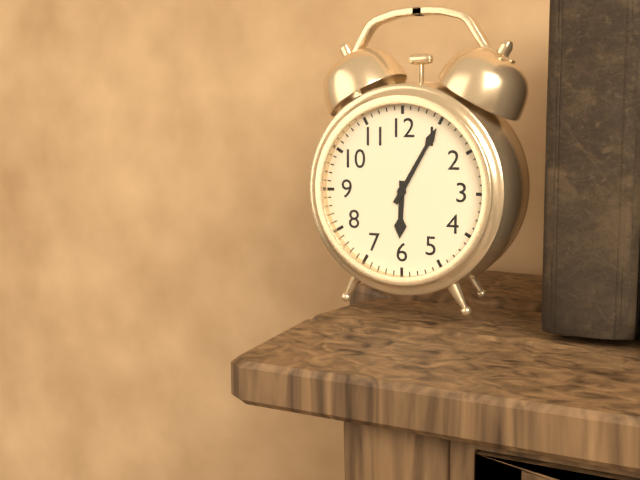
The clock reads 6h05
